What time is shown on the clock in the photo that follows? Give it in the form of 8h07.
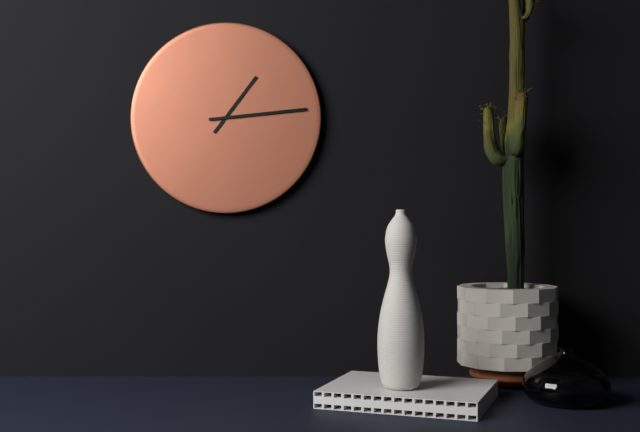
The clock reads 1h14
